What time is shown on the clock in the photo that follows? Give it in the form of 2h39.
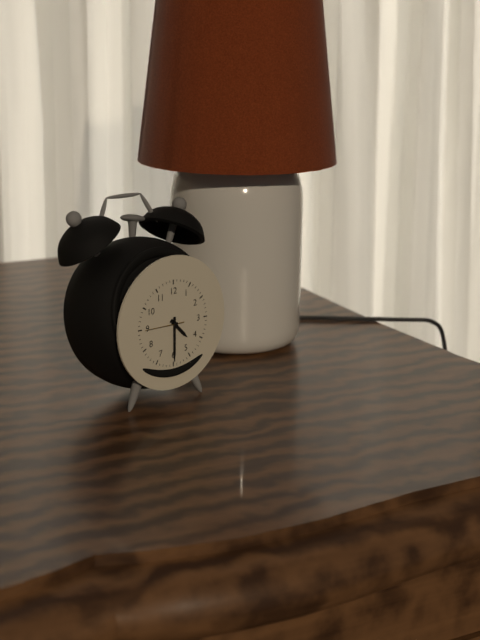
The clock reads 4h30
